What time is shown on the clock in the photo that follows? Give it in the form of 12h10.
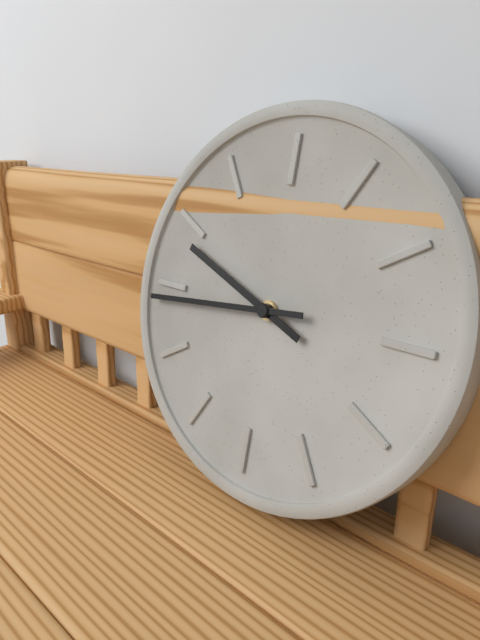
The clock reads 9h44
